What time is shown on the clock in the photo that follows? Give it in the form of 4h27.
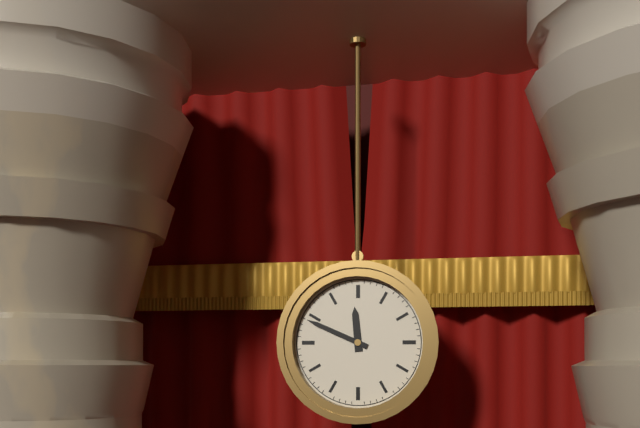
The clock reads 11h49
